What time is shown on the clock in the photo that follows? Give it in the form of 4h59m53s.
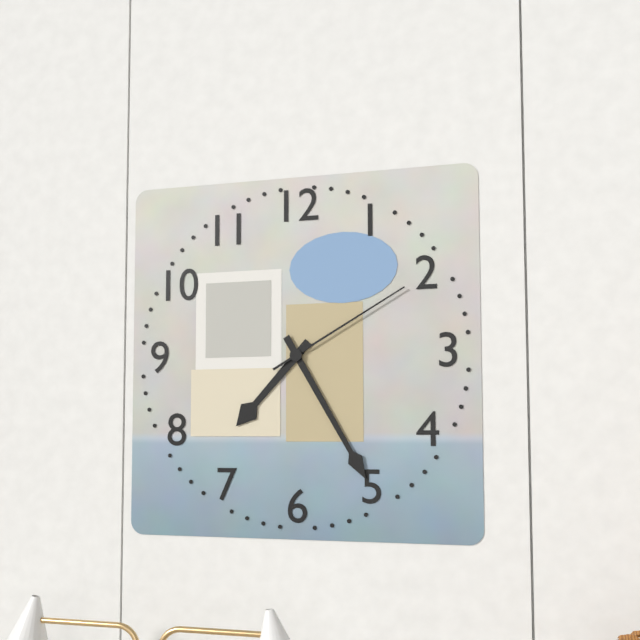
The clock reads 7h25m10s
